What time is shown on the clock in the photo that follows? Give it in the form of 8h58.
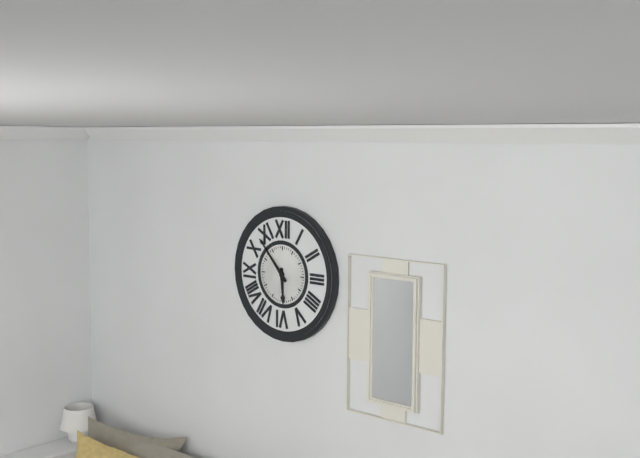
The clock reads 5h53
